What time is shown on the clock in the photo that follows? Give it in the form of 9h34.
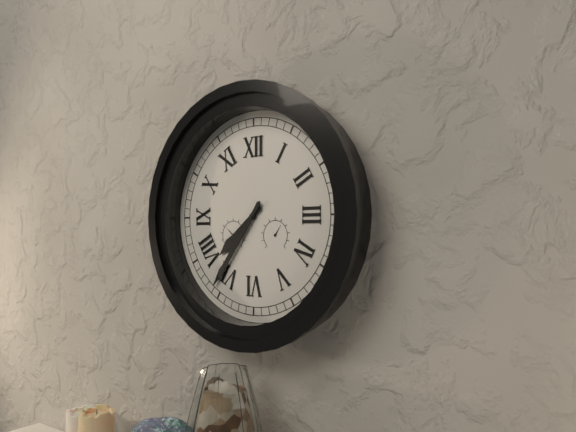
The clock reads 7h36
